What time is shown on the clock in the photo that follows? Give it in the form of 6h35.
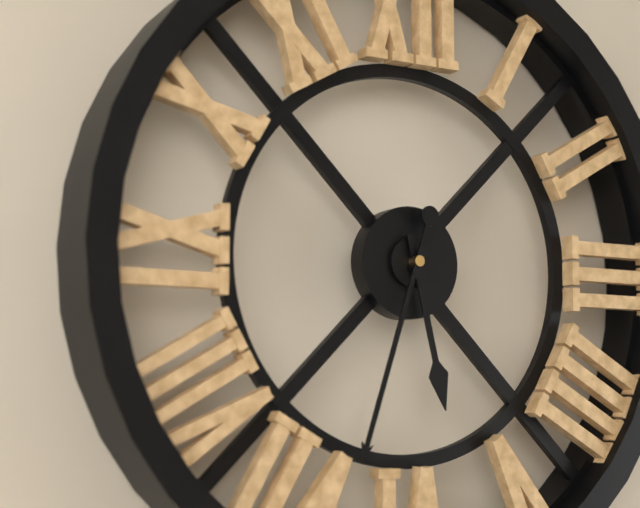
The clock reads 5h33
